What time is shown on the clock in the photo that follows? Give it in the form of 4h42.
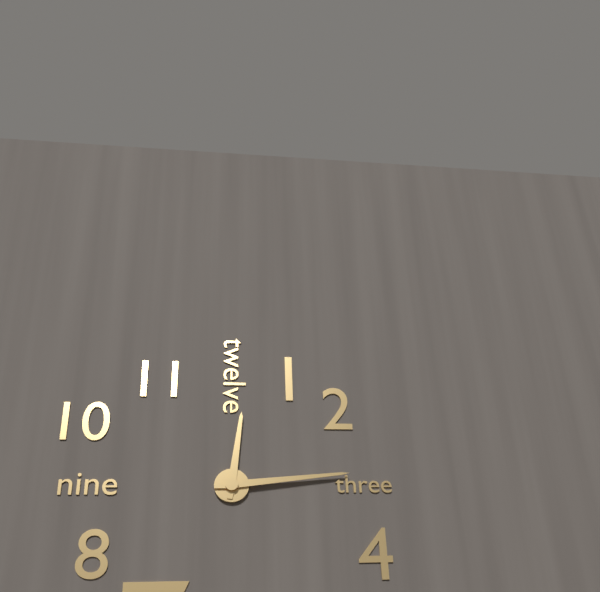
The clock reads 12h14
